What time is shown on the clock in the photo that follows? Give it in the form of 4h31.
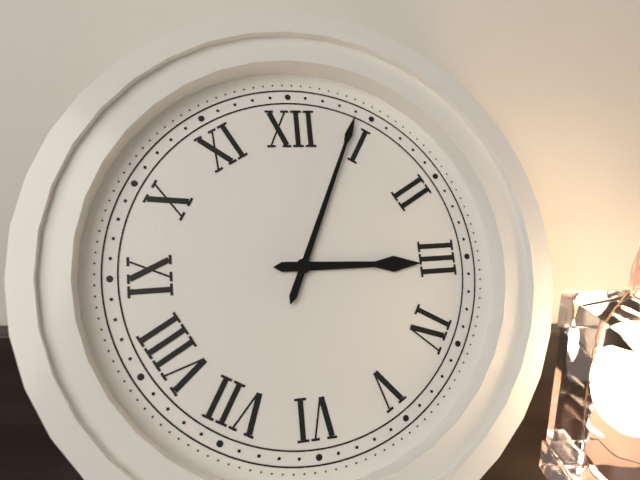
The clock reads 3h04
